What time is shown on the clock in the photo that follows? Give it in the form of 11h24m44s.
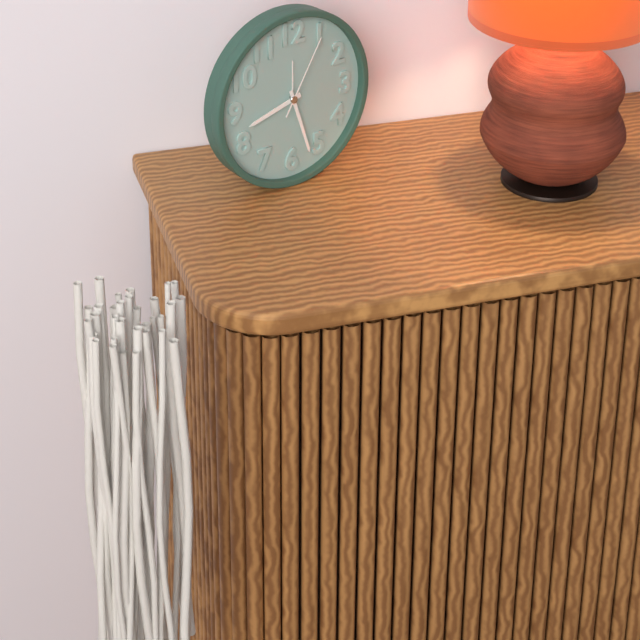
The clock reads 8h27m05s
